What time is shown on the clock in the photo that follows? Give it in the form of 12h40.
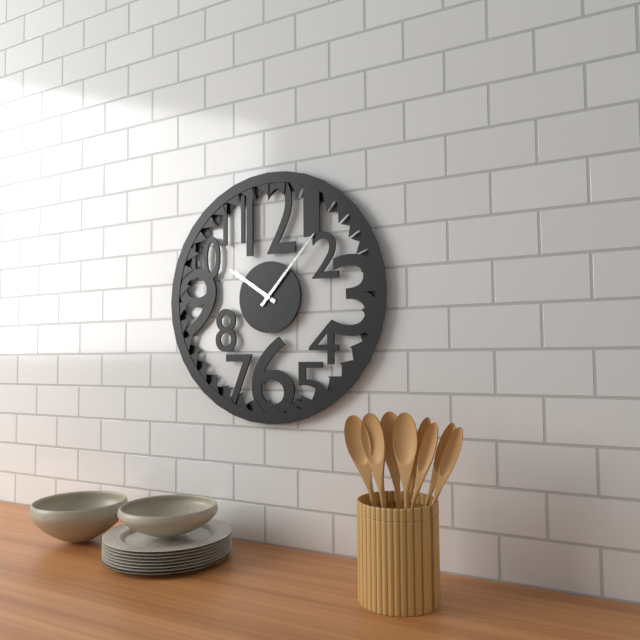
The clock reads 10h07
